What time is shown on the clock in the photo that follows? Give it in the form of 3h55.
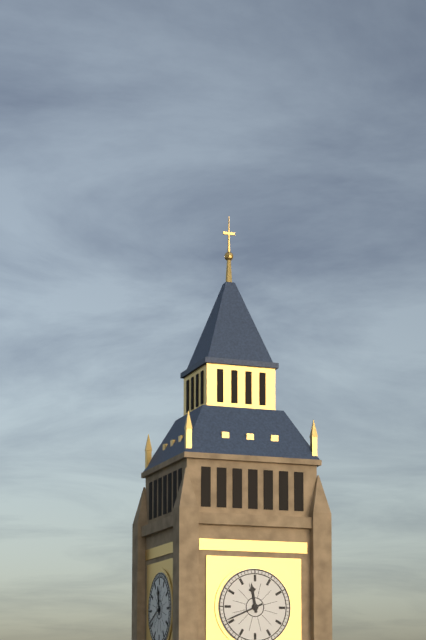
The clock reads 11h41
